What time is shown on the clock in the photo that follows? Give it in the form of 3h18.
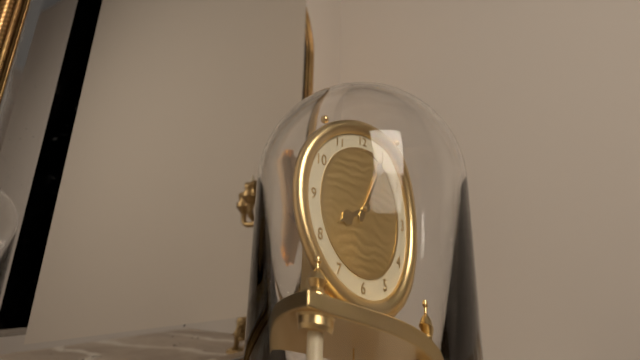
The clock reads 8h05
